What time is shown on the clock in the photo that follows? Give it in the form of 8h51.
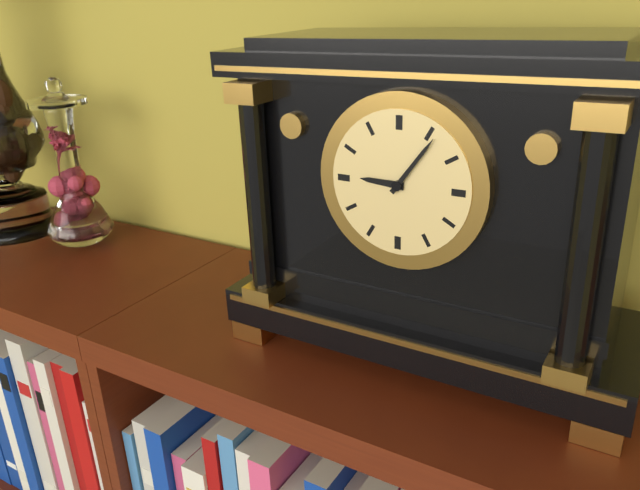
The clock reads 9h06
